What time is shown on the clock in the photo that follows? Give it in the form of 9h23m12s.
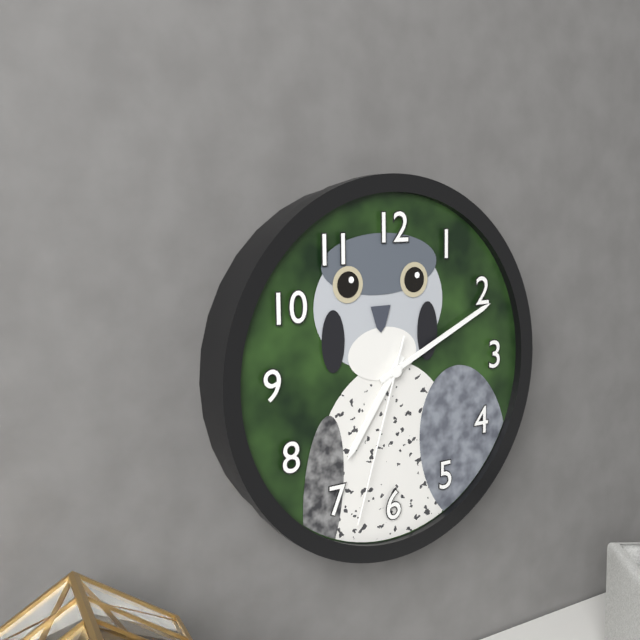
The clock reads 7h11m33s
